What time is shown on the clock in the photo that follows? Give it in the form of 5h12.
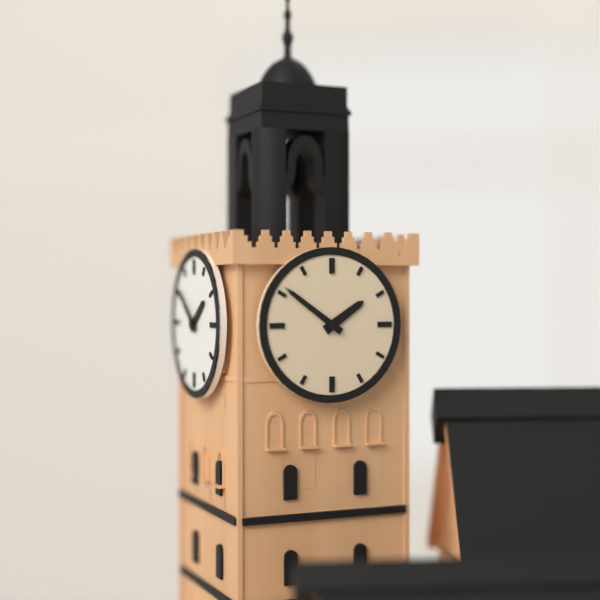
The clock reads 1h51
